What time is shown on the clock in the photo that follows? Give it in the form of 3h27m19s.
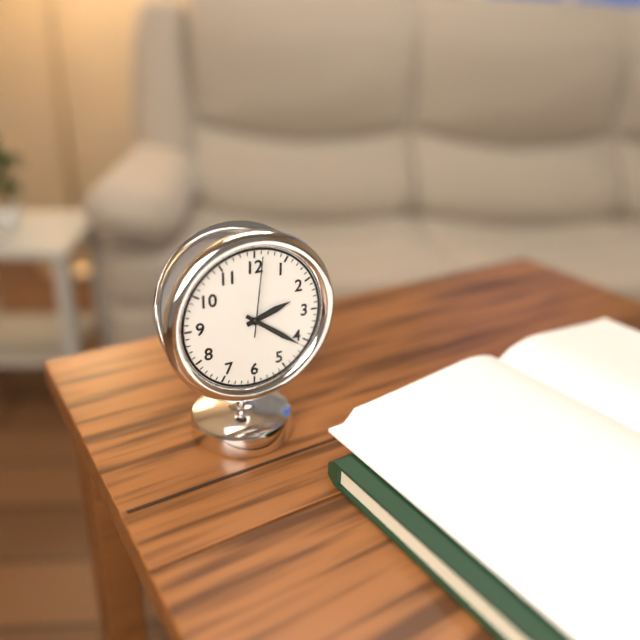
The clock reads 2h21m01s
